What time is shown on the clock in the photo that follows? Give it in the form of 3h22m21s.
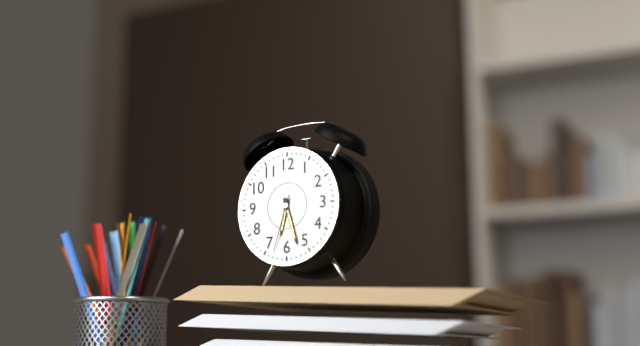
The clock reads 6h27m33s
